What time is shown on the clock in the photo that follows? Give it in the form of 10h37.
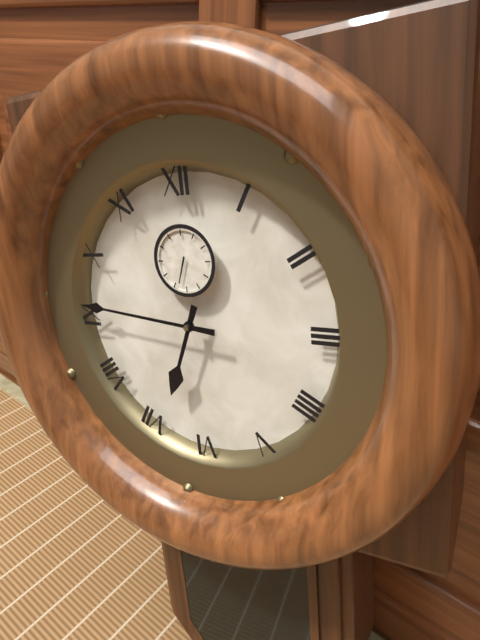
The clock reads 6h46
